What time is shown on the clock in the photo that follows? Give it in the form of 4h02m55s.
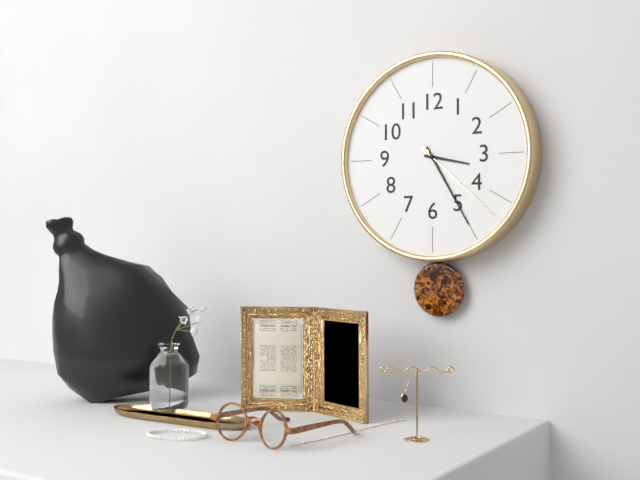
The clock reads 3h25m22s
